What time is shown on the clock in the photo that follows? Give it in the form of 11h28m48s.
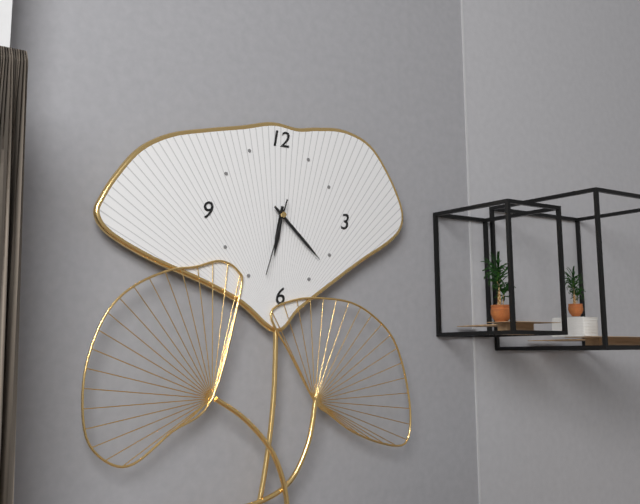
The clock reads 6h22m33s
